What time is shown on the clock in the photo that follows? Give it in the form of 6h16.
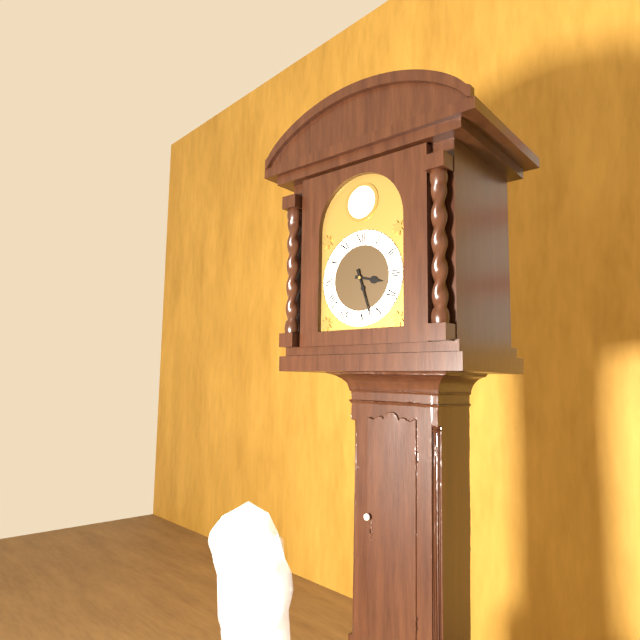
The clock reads 3h27
